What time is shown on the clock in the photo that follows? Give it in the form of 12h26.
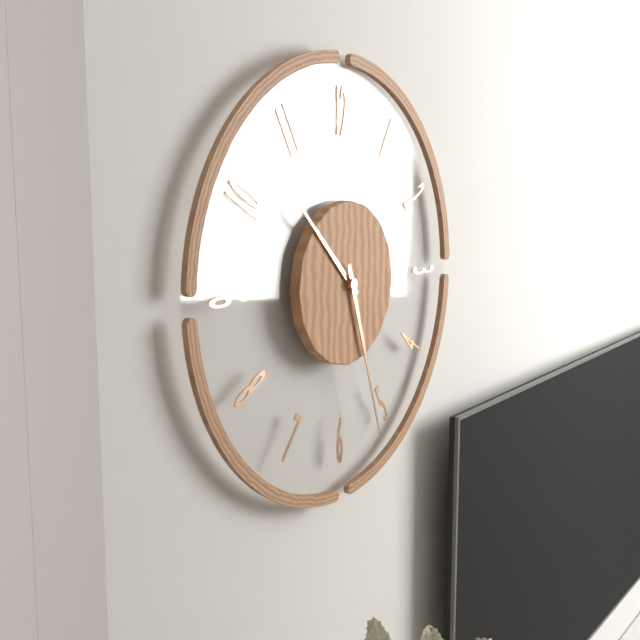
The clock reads 10h27
